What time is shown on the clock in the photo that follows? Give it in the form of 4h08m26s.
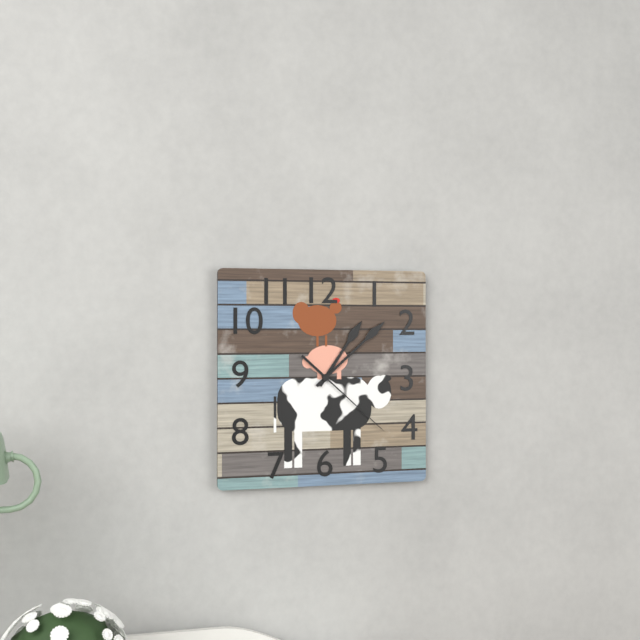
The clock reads 1h08m22s
